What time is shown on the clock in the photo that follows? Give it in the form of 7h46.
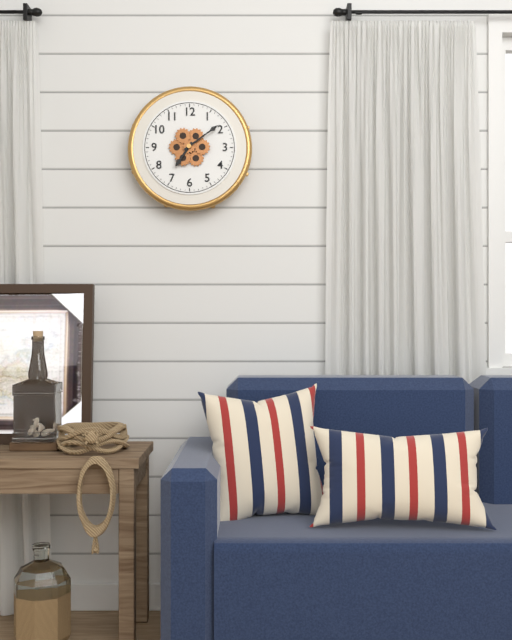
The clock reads 7h09
